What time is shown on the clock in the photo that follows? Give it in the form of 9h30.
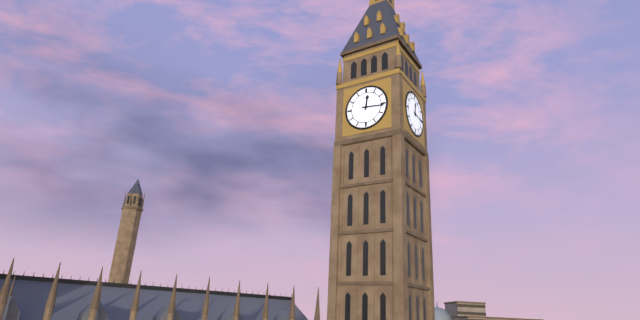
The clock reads 12h16
